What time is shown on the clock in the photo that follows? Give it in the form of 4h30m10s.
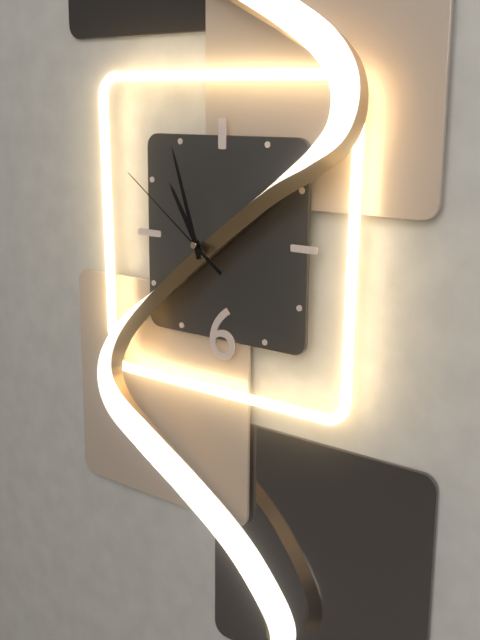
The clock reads 10h57m51s
